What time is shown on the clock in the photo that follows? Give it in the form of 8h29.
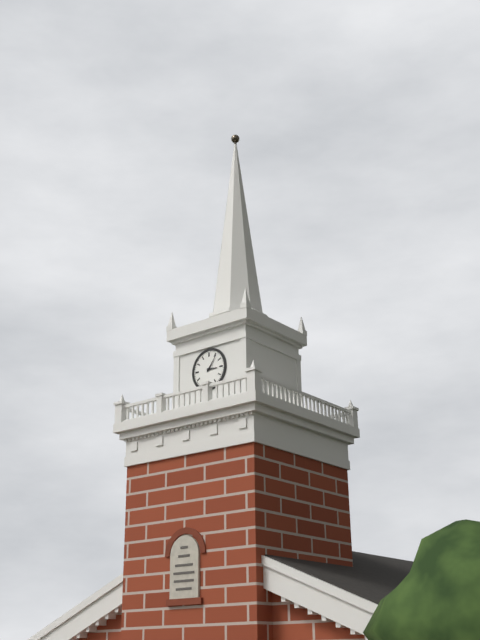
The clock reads 3h06
